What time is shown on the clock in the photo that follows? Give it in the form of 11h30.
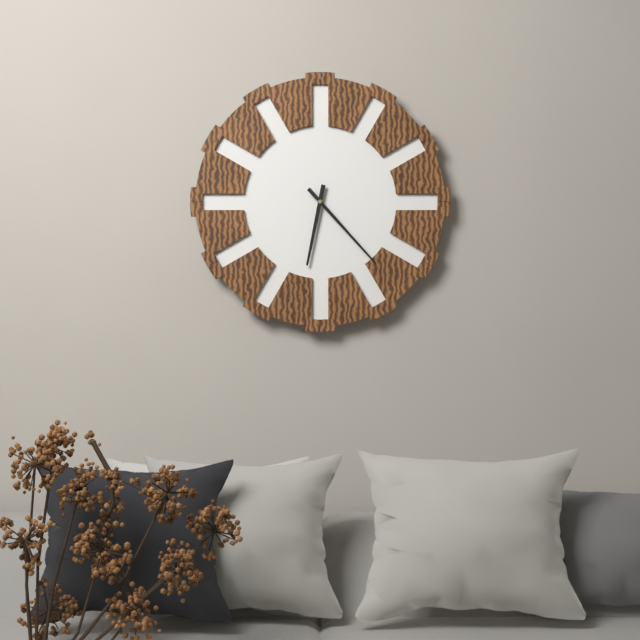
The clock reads 6h23
